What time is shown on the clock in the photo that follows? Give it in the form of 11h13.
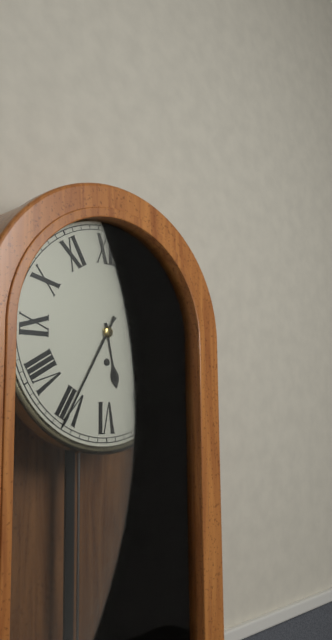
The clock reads 5h35
